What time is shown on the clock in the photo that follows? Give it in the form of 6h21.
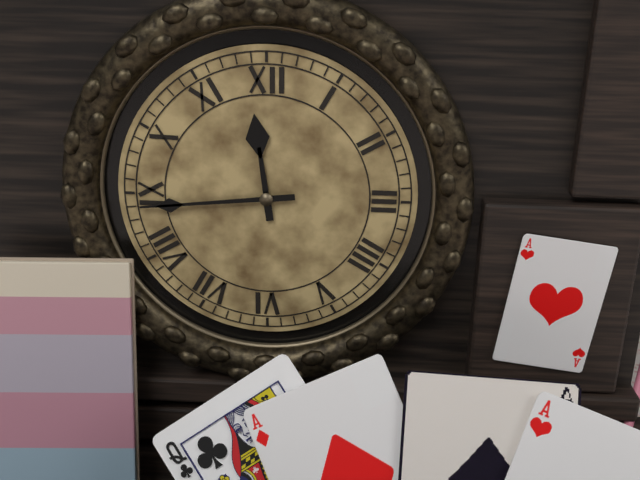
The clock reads 11h44
